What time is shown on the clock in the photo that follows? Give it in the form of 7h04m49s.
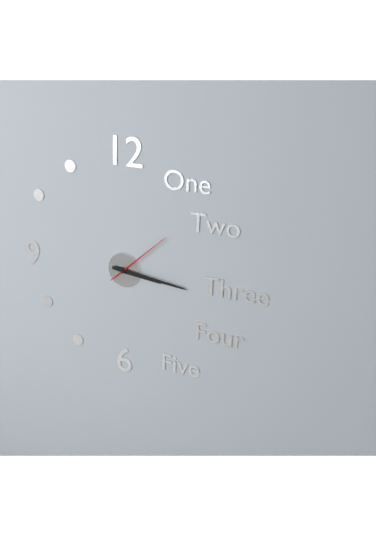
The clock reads 3h16m08s
